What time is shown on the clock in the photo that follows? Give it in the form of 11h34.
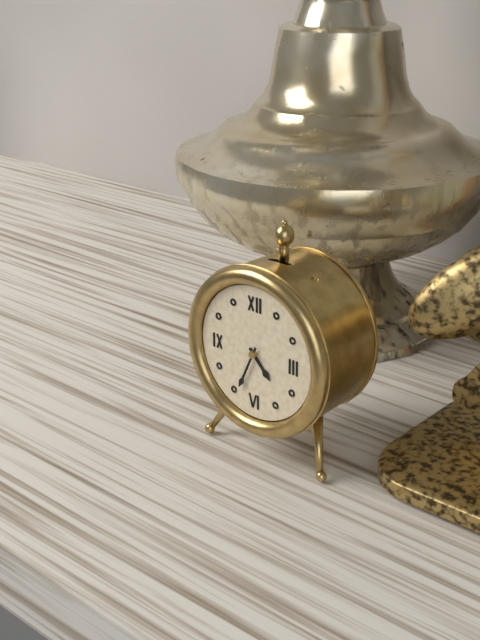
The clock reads 4h34
